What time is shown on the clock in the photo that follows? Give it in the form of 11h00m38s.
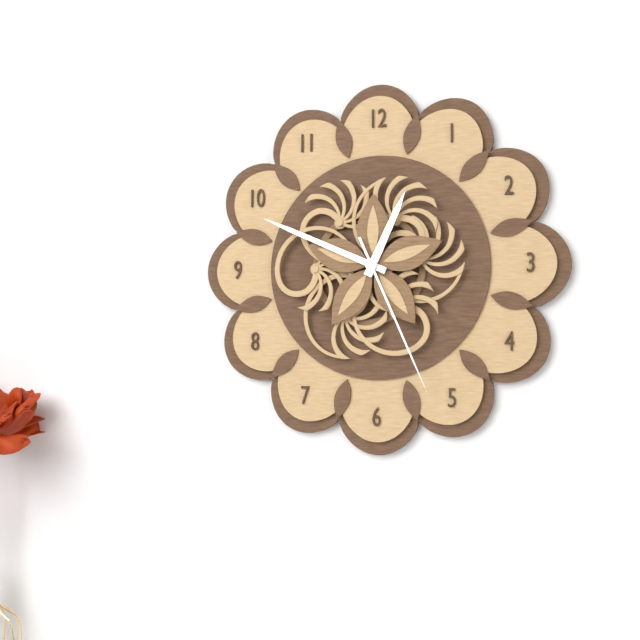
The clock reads 12h49m26s
